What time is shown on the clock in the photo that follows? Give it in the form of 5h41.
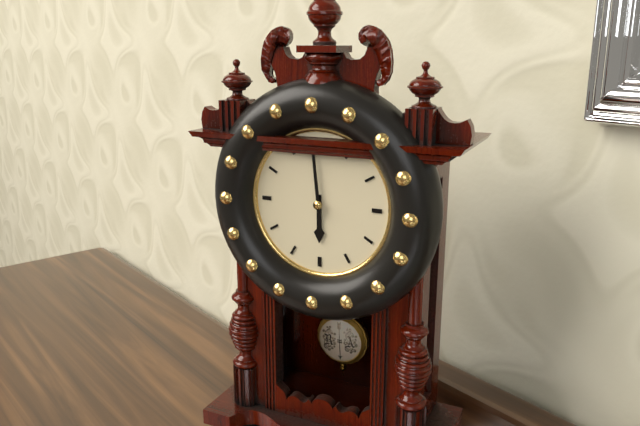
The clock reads 5h59
